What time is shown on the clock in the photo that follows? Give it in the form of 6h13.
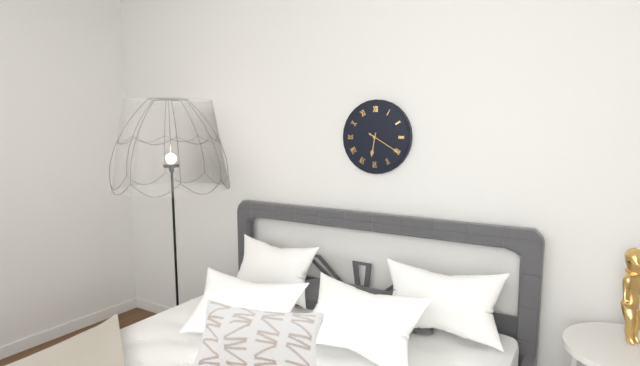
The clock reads 6h20
